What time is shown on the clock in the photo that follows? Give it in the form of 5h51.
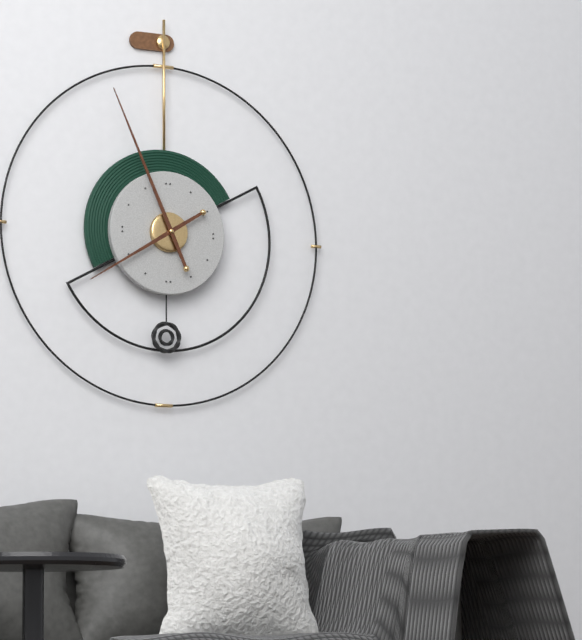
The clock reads 7h56
